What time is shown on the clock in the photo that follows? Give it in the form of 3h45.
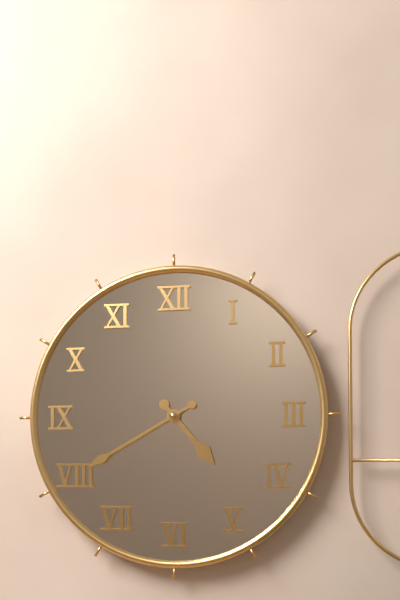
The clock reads 4h40
